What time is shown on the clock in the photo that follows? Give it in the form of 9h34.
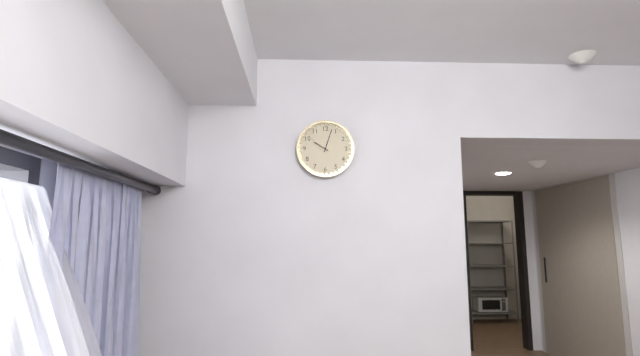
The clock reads 10h03
